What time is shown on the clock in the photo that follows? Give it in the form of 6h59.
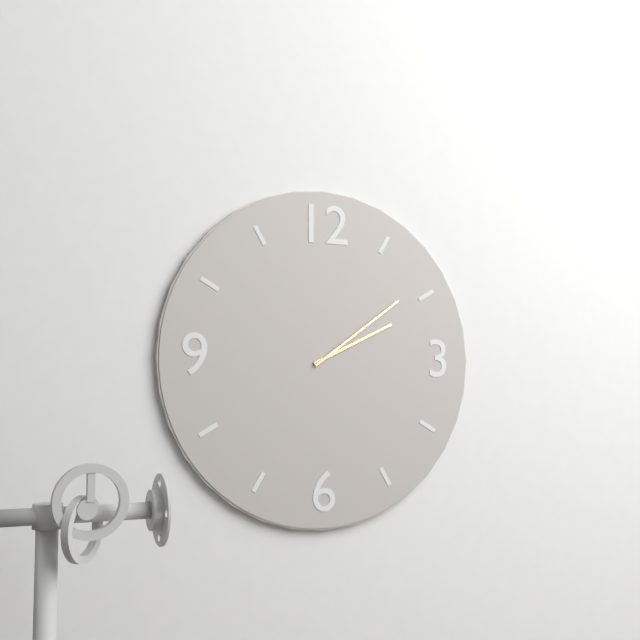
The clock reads 2h09
